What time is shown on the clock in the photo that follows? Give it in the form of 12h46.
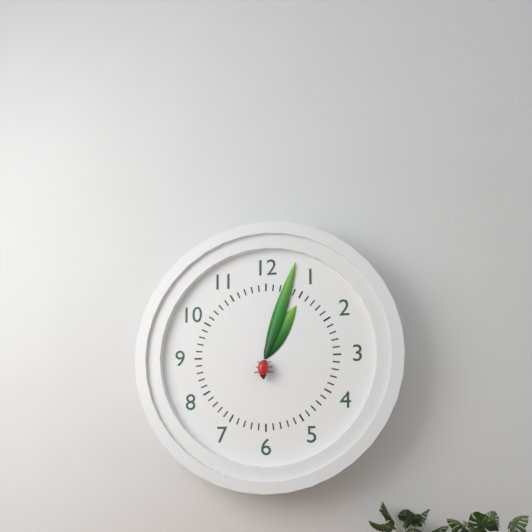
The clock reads 1h03
